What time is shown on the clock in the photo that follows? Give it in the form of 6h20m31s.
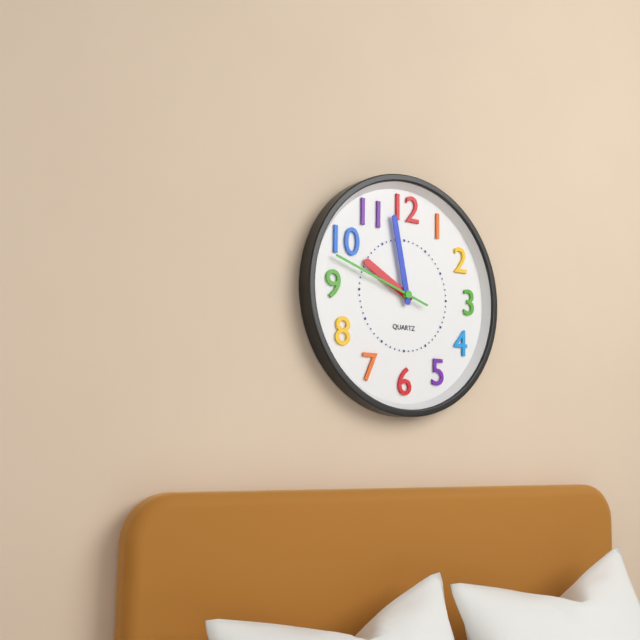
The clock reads 9h58m48s
